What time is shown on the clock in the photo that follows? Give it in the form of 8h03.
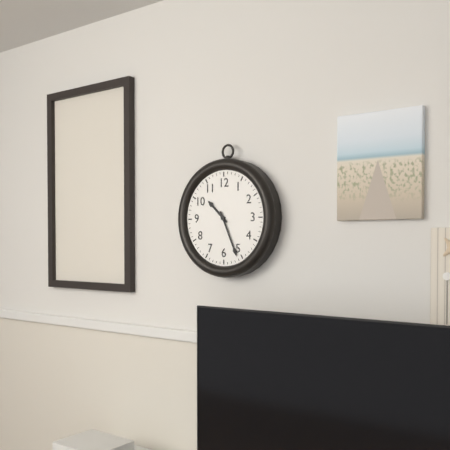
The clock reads 10h26
